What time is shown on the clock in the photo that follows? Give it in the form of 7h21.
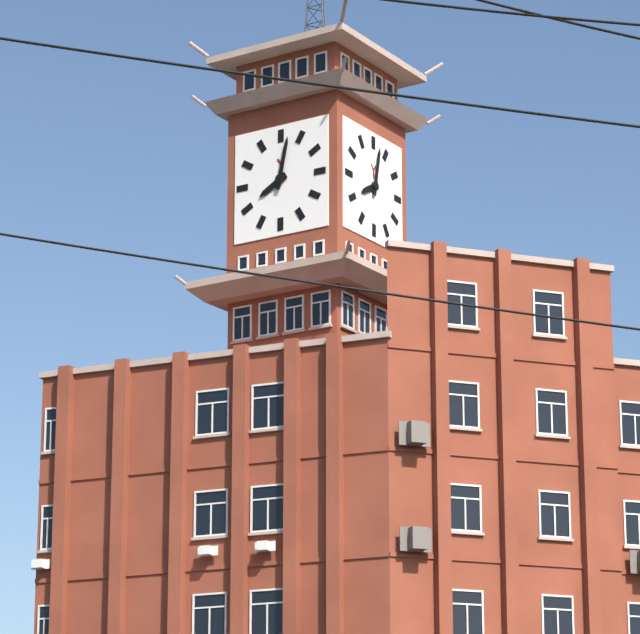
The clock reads 8h02
